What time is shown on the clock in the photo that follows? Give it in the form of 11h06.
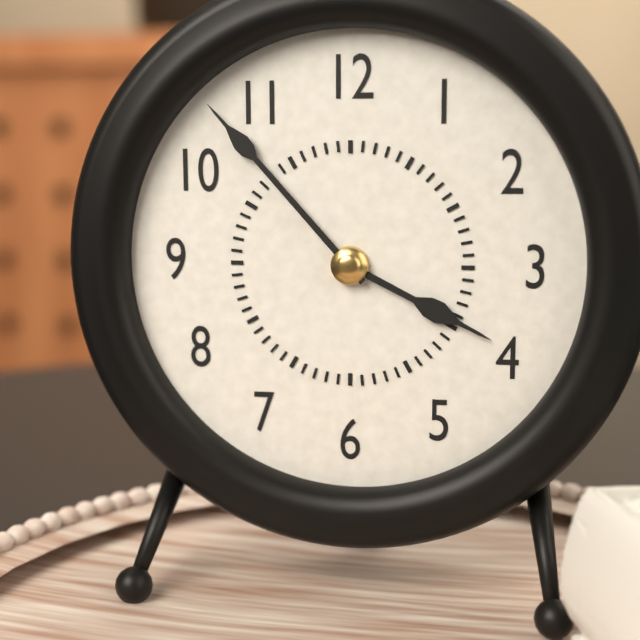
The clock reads 3h53
